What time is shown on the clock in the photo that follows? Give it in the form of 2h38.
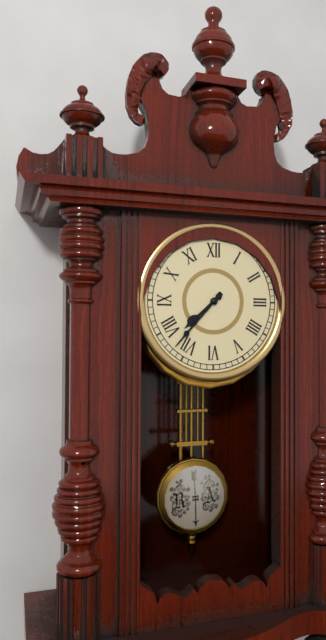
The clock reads 7h37
